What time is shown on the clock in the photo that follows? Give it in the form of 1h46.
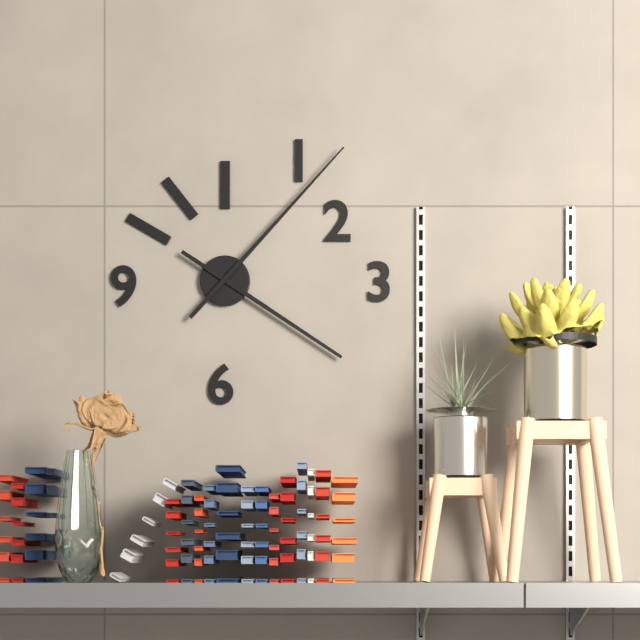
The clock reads 4h07
